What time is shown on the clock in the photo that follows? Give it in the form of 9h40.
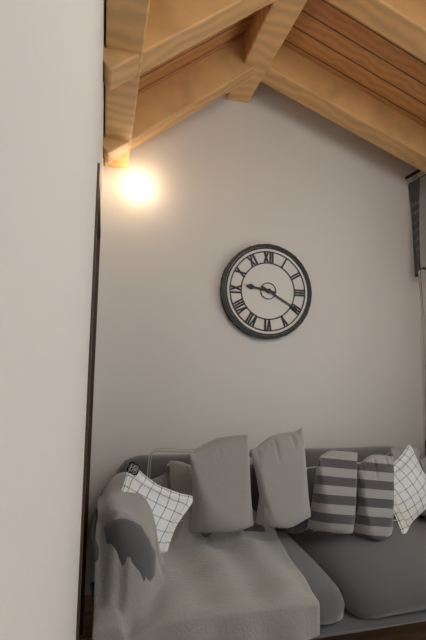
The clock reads 9h20
